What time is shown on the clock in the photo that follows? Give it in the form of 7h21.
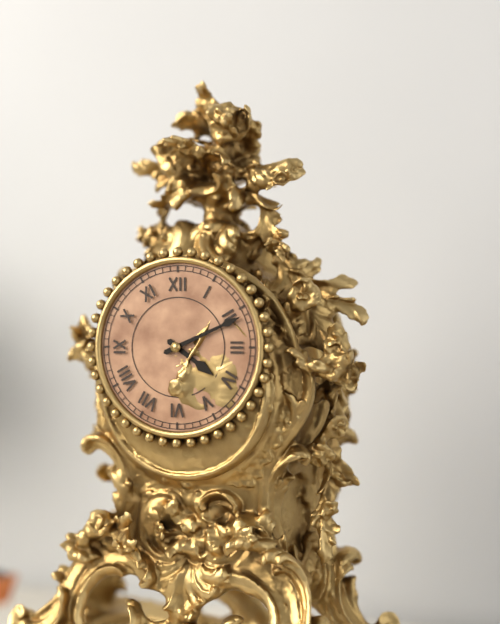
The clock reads 4h11
